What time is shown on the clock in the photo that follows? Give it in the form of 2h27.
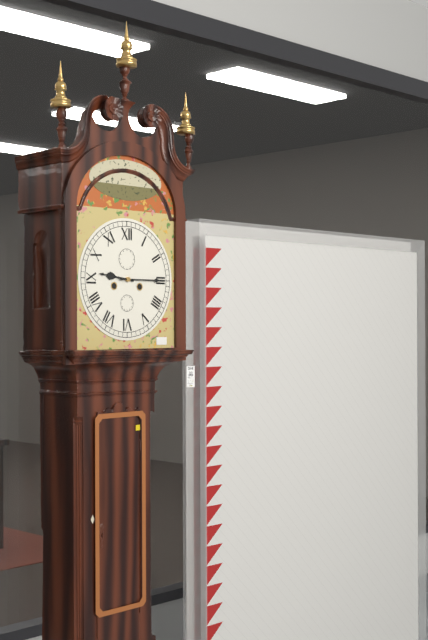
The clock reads 9h15
